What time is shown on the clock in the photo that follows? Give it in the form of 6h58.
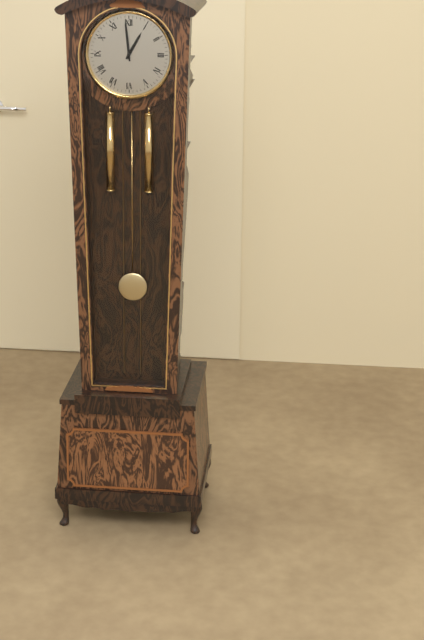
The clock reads 12h59
